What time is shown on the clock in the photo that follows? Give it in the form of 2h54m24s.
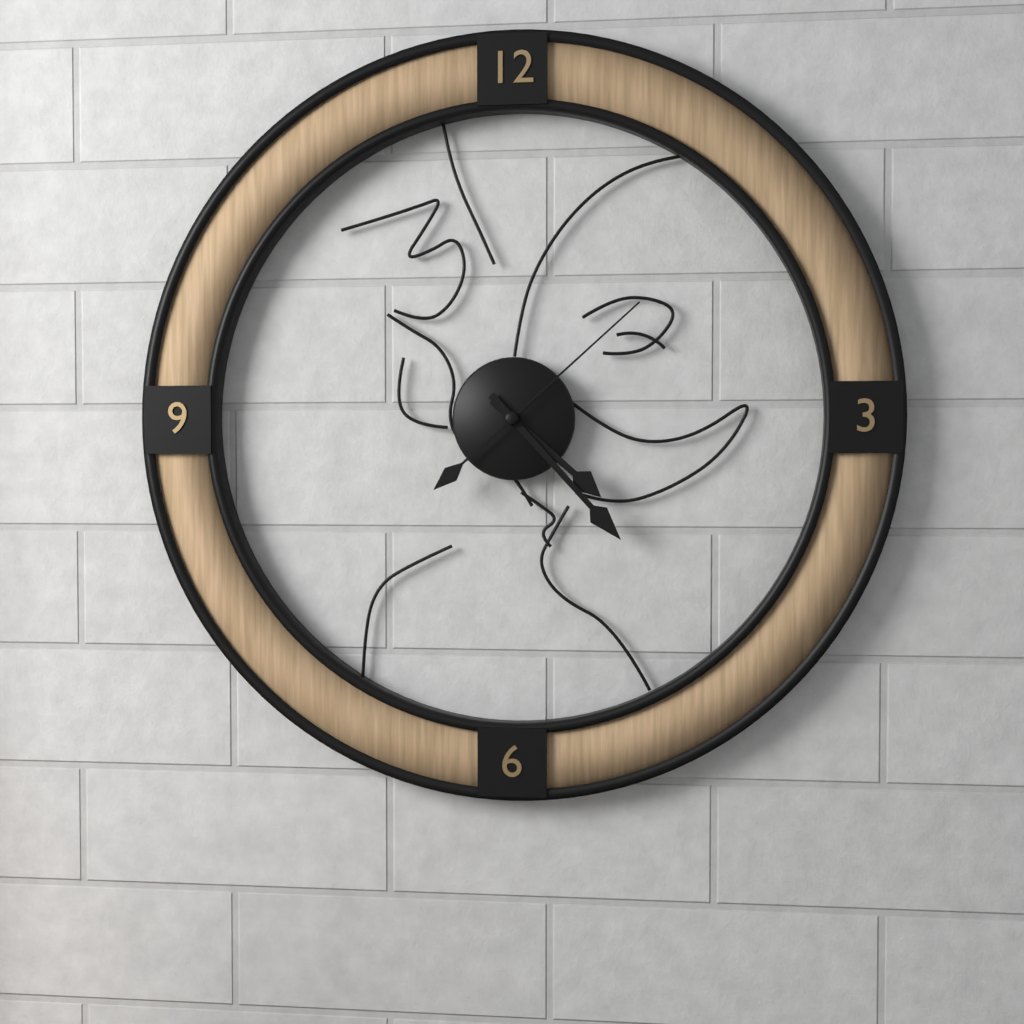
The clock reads 4h23m08s
